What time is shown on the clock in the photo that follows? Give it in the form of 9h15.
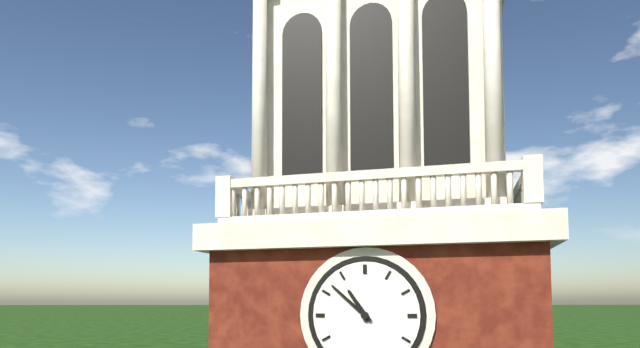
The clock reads 10h52
